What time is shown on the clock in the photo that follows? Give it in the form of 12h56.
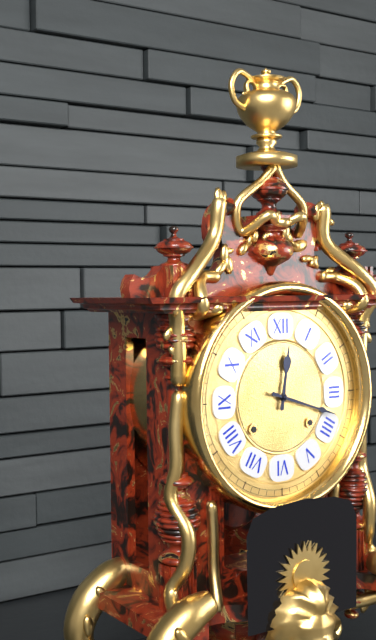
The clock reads 12h18
